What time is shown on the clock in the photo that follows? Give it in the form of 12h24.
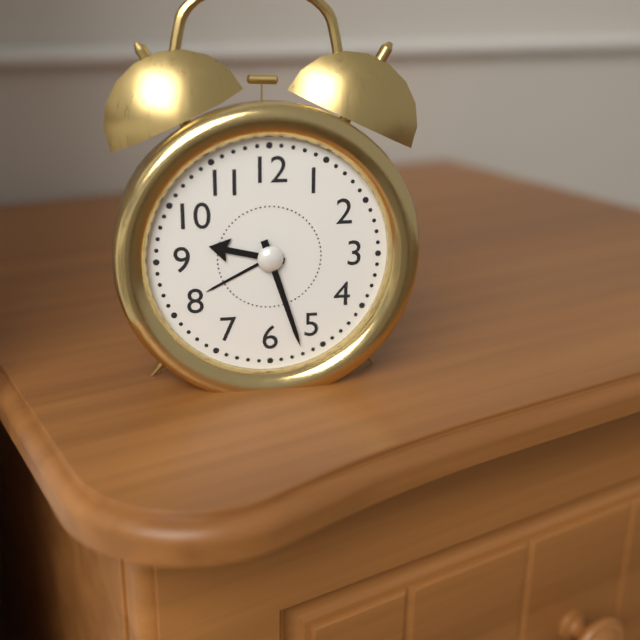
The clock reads 9h27
